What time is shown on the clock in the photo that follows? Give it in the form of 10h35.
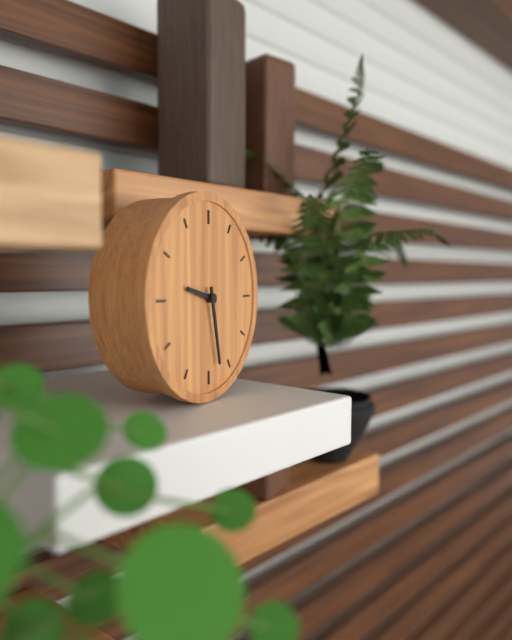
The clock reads 9h28
